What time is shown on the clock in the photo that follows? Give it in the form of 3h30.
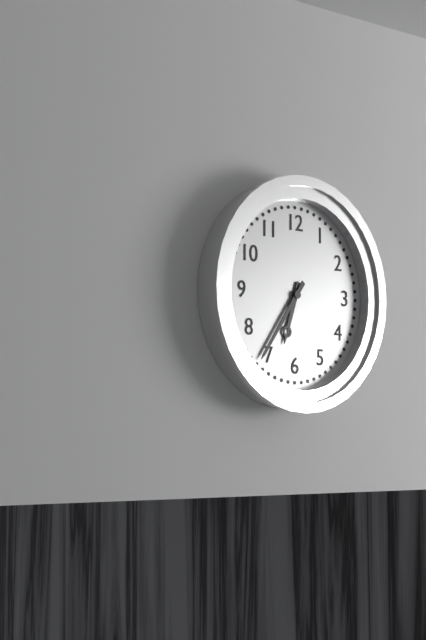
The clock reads 6h36
